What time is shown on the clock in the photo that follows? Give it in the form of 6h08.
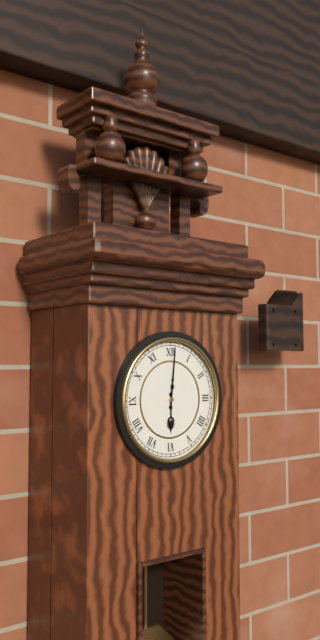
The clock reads 6h01
